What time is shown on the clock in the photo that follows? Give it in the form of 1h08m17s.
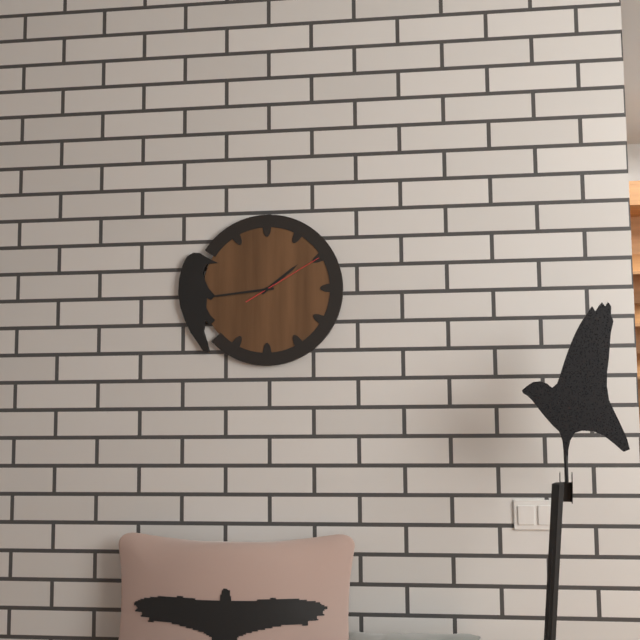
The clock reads 1h44m10s
